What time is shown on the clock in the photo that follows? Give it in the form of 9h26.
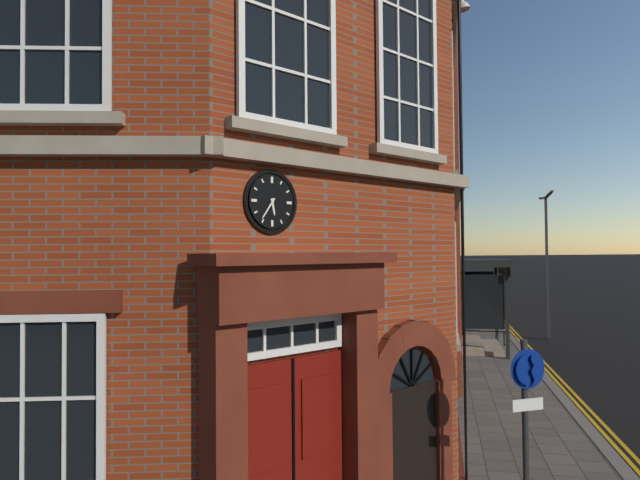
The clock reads 5h36
